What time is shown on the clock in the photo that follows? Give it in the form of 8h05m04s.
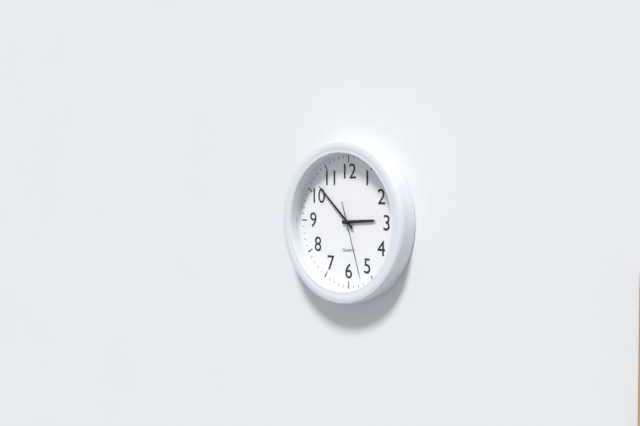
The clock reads 2h52m27s
